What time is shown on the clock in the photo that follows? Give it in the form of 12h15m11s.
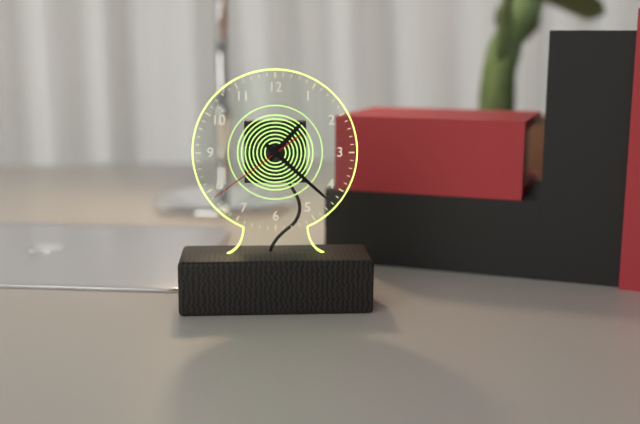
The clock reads 1h22m39s
